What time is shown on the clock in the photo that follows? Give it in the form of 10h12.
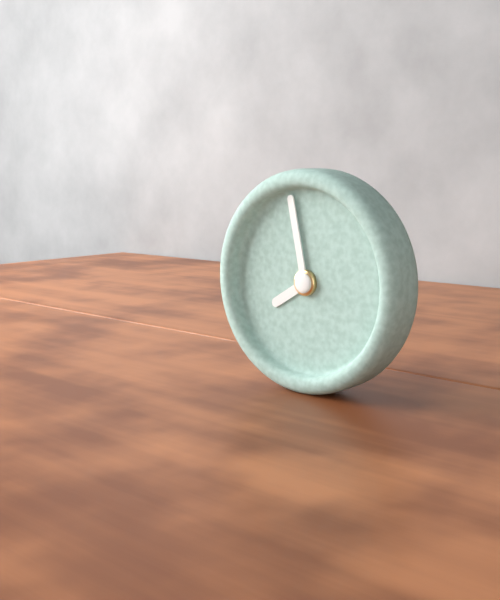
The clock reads 7h58
